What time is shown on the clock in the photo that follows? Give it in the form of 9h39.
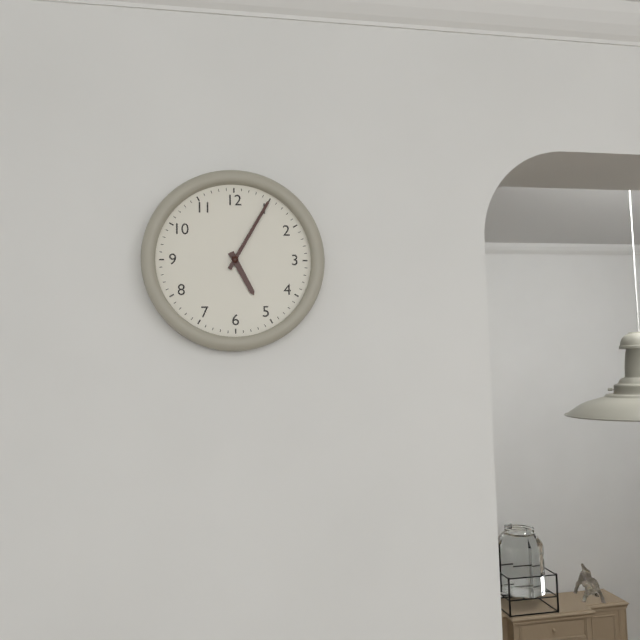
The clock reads 5h05
